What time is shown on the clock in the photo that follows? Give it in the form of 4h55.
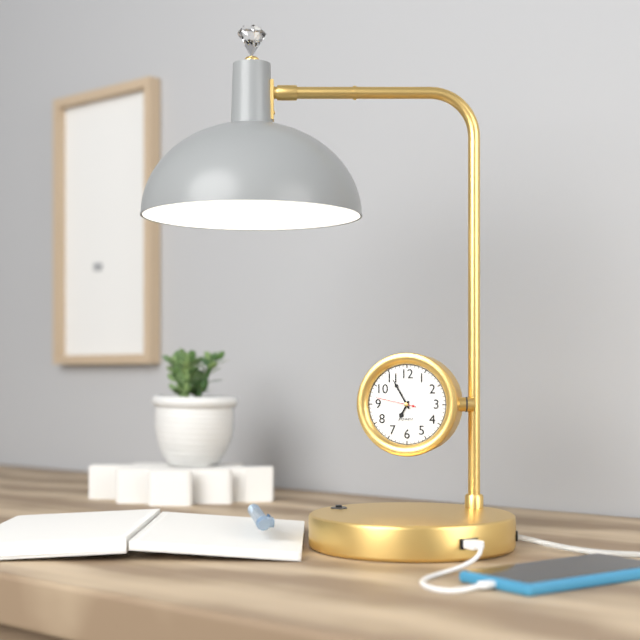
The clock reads 6h55
